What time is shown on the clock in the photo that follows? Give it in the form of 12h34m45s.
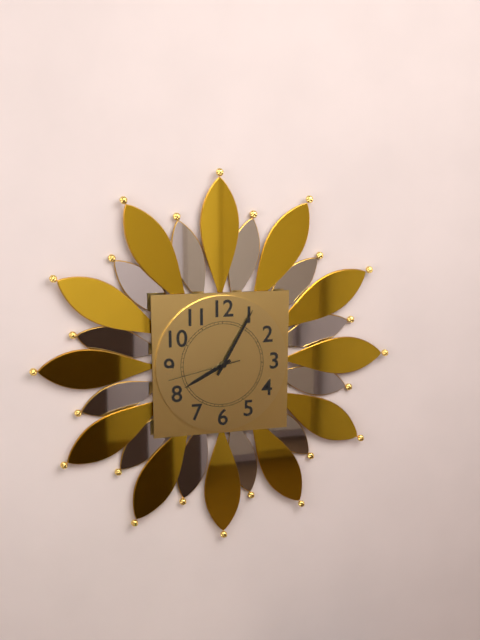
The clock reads 8h05m43s
